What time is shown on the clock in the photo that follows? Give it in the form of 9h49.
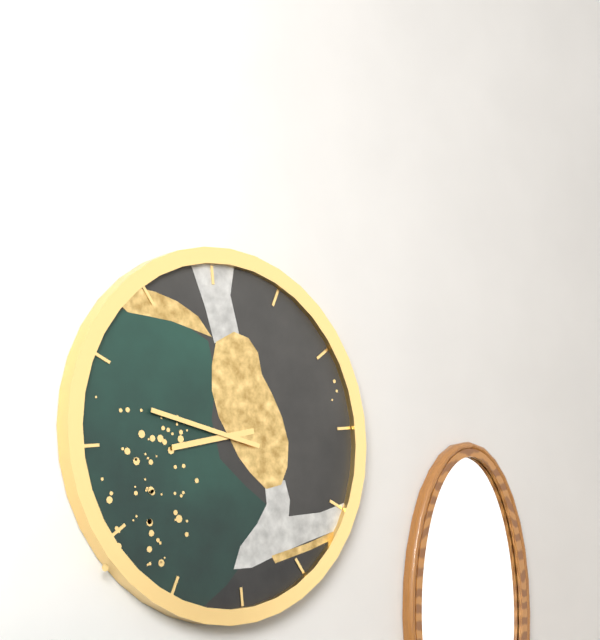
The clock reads 8h48
